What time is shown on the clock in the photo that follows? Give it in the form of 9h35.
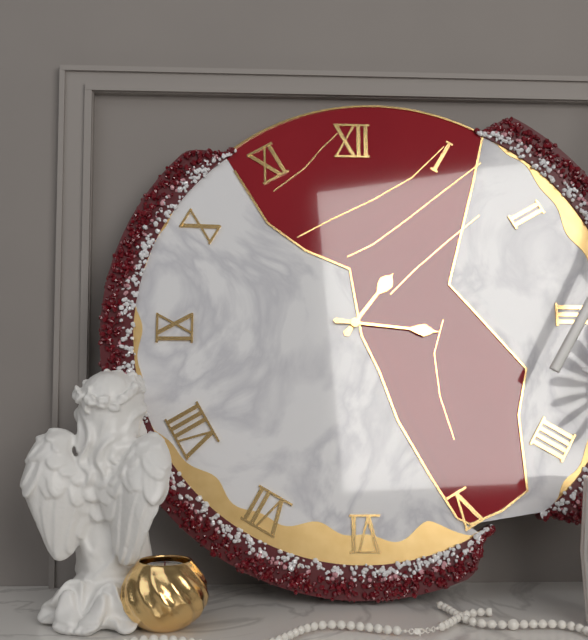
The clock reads 1h16
